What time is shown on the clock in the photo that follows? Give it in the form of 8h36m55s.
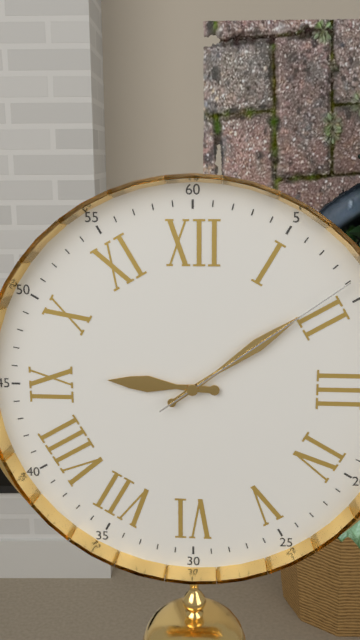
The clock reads 9h09m09s
